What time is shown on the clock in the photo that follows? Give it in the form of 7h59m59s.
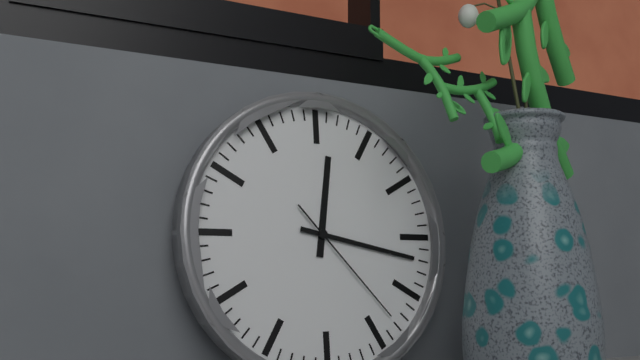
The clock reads 12h17m23s
